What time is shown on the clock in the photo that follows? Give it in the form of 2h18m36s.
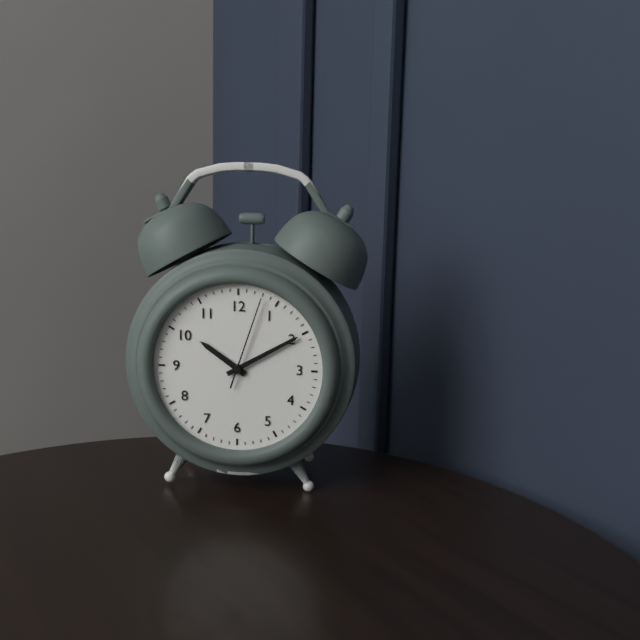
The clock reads 10h10m03s
